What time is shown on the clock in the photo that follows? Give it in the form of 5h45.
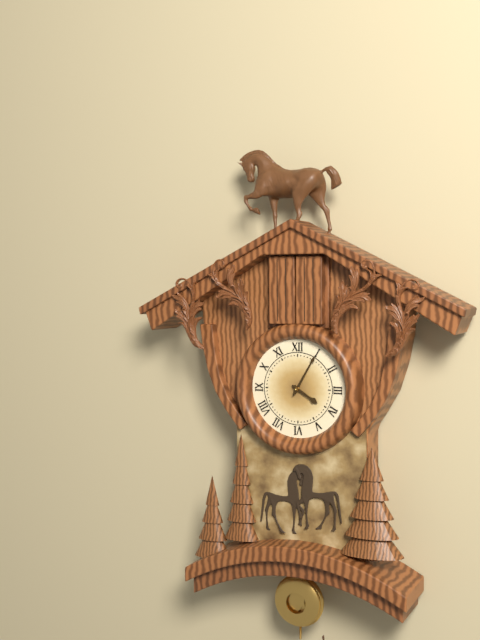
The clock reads 4h05
